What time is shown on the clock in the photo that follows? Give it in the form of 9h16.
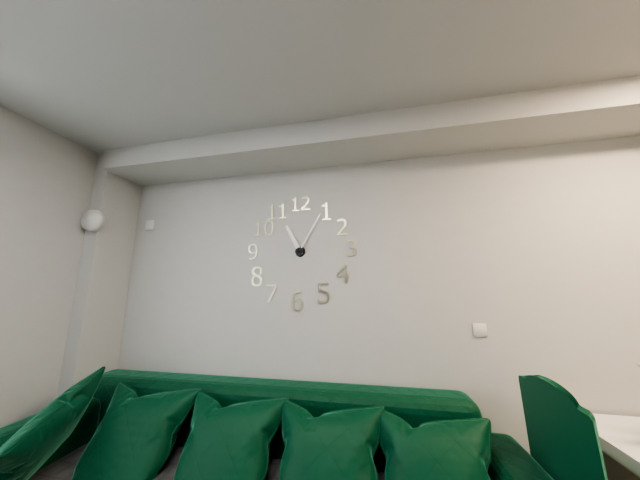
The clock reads 11h05
